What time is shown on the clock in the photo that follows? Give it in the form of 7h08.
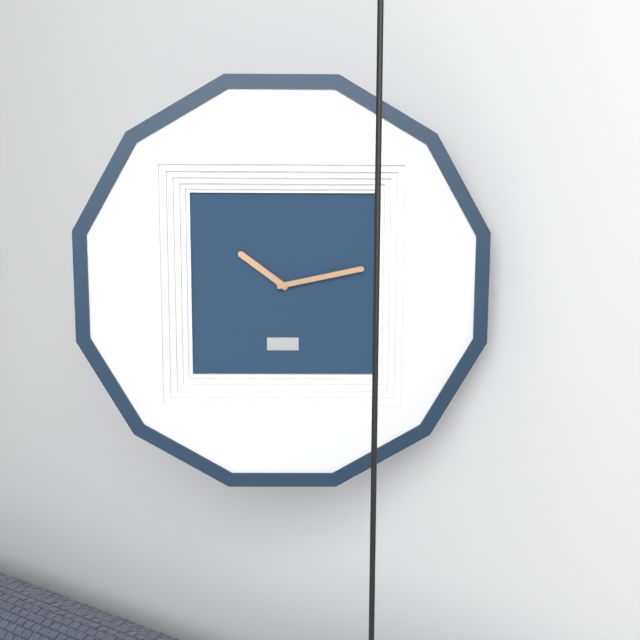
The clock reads 10h13
